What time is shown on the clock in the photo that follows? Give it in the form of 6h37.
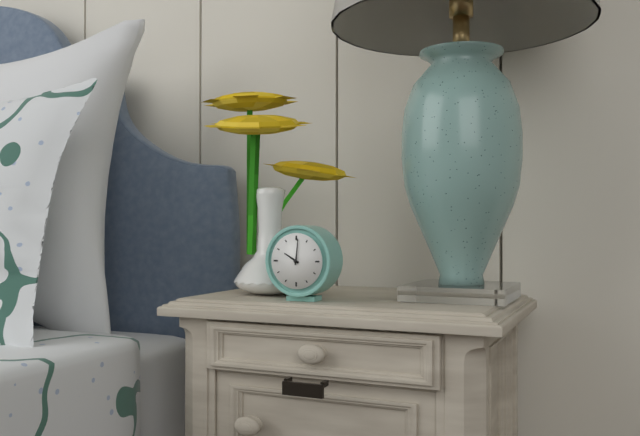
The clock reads 10h01
